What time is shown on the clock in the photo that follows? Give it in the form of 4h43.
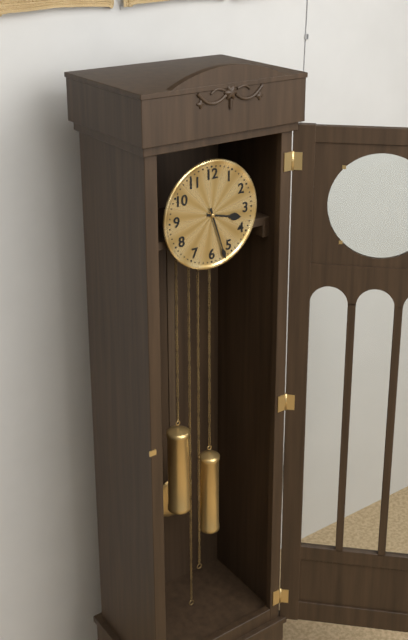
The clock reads 3h27
